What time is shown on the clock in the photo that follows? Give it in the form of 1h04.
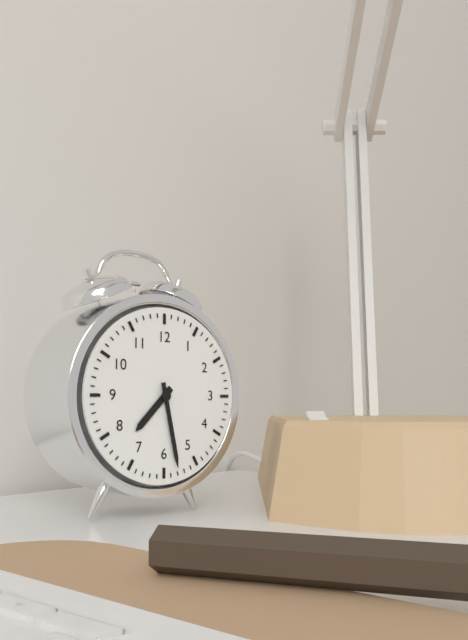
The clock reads 7h28
